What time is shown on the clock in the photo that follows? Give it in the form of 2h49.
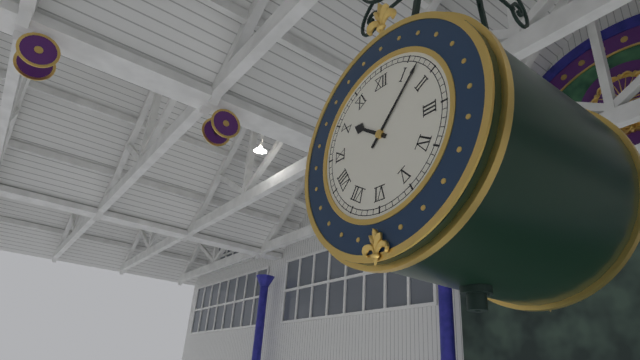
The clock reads 10h07
